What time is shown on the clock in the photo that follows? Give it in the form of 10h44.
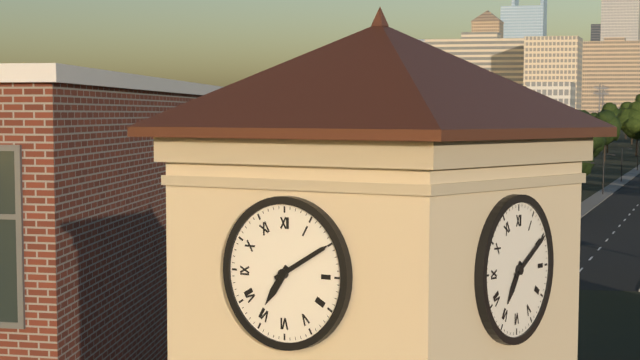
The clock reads 7h10
